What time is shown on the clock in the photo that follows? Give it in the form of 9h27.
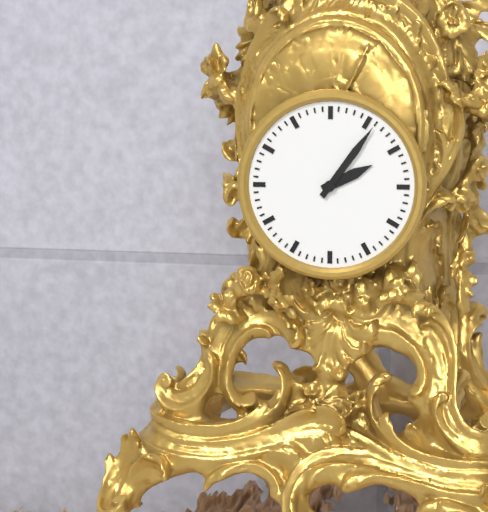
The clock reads 2h06
